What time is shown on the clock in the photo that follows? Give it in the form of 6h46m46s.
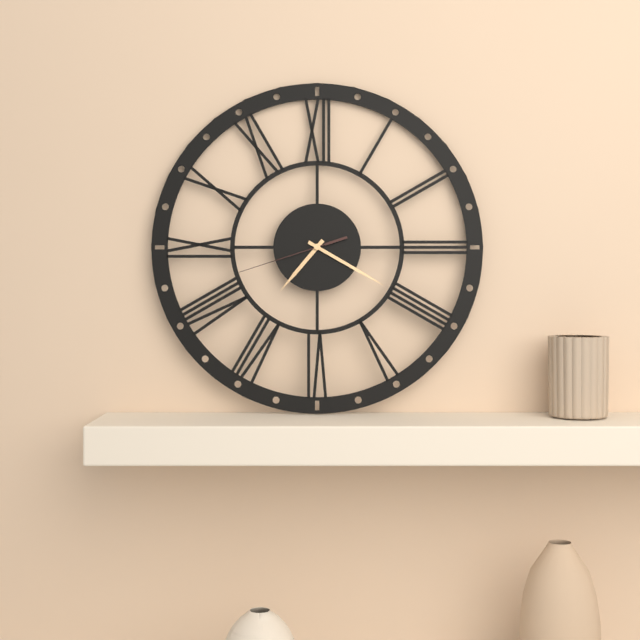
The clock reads 7h20m42s
